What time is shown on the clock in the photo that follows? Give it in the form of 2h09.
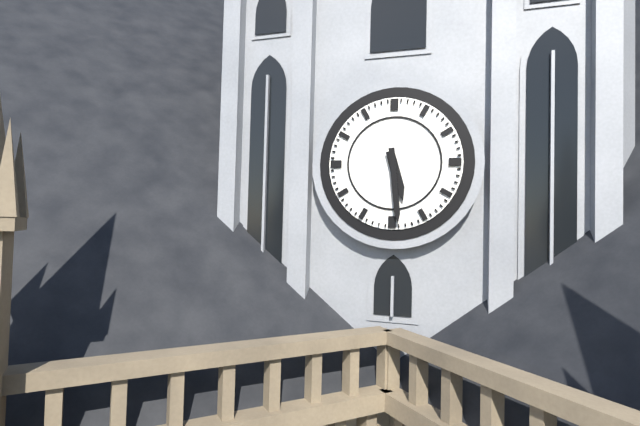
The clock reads 5h29
